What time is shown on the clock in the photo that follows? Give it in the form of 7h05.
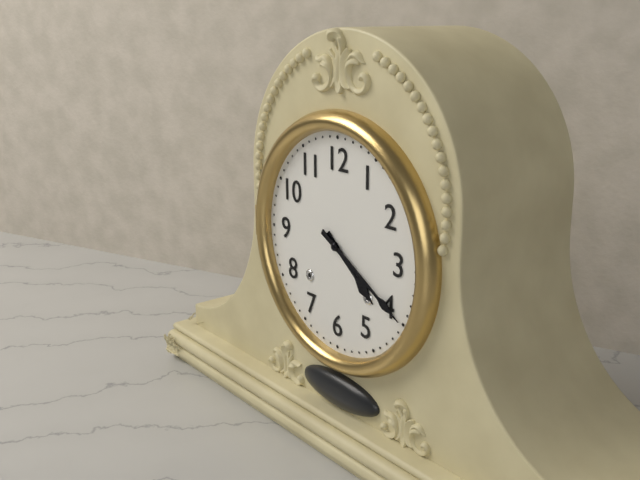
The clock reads 4h20
